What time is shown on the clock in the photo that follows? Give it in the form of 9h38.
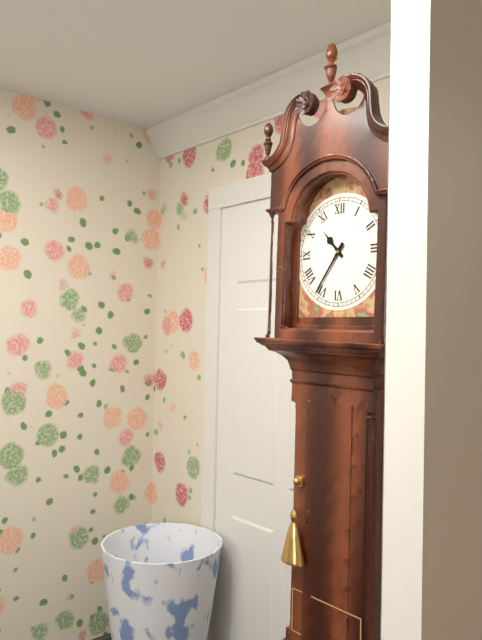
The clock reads 10h36
